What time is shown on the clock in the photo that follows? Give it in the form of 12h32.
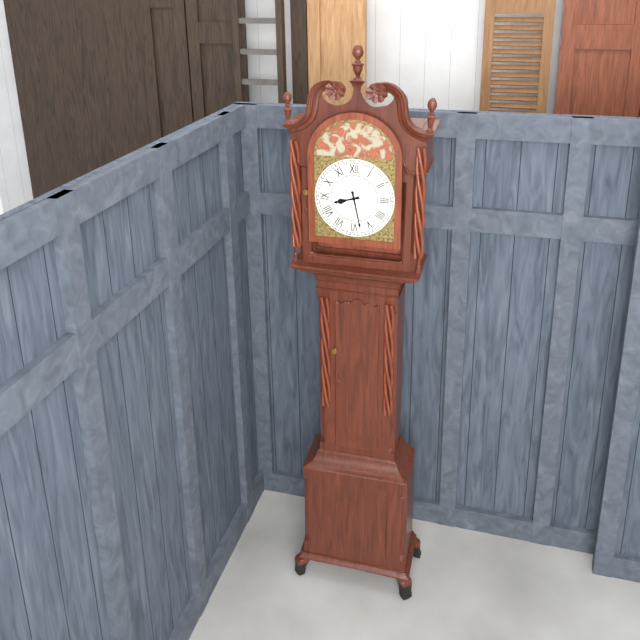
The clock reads 8h28
